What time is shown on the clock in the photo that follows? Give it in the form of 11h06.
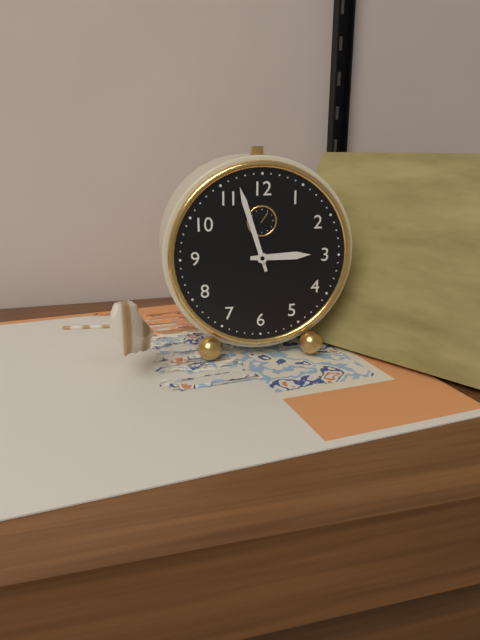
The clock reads 2h57
